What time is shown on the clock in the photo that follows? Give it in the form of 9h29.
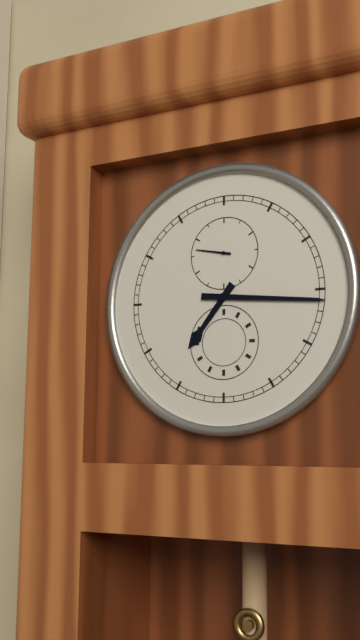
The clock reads 7h16
